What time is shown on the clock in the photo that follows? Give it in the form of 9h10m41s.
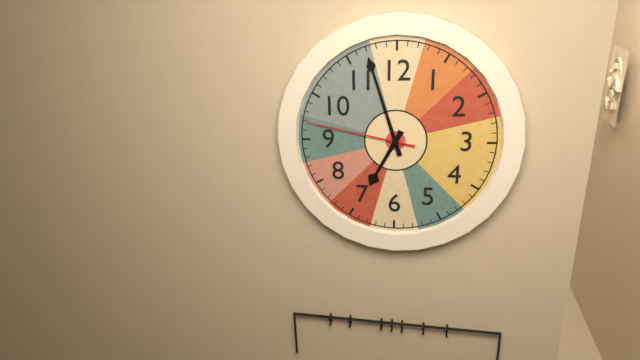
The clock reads 6h57m47s
